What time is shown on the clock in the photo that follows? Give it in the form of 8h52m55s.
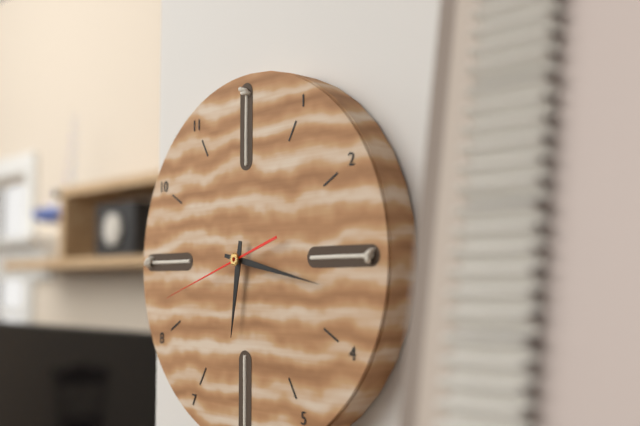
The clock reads 6h17m42s
